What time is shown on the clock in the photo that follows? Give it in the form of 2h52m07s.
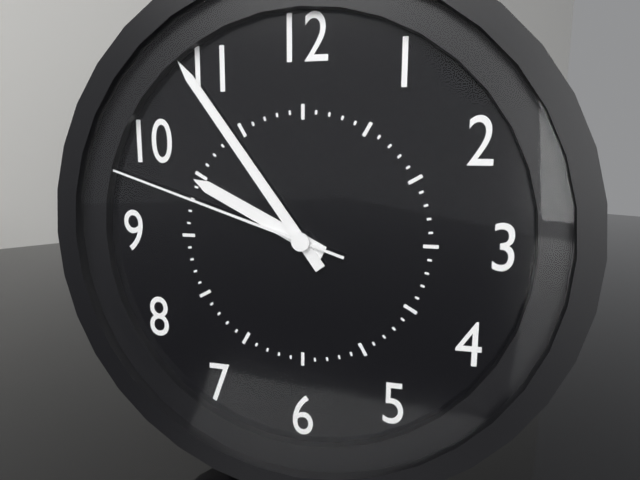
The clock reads 9h54m48s
